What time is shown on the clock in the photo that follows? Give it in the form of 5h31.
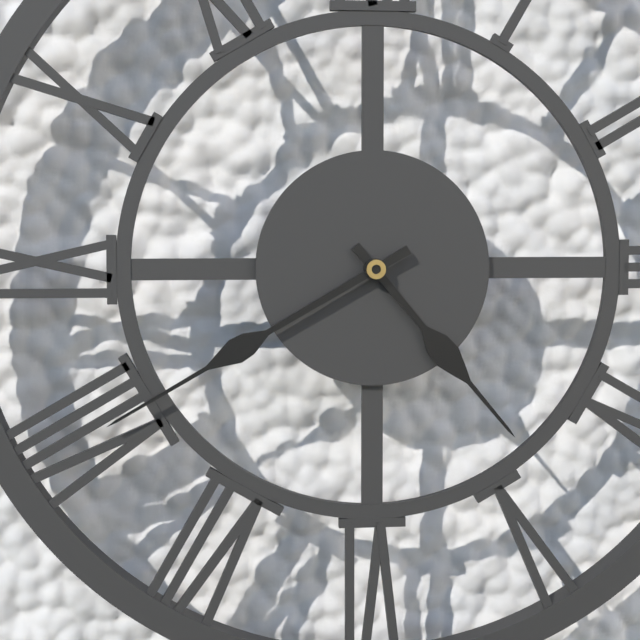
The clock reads 4h40
